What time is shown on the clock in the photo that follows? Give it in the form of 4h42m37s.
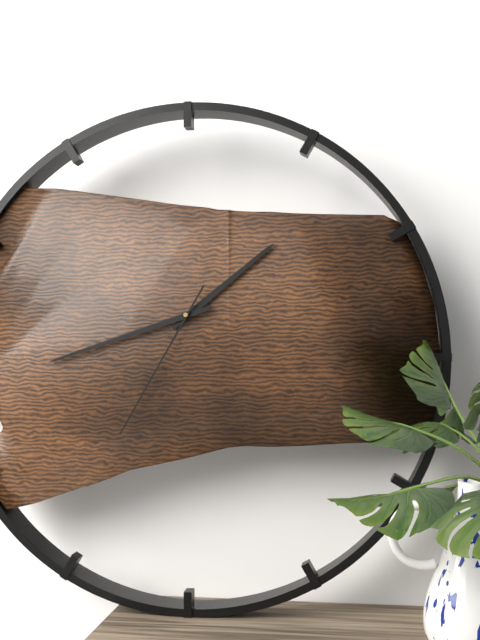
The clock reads 1h42m35s
